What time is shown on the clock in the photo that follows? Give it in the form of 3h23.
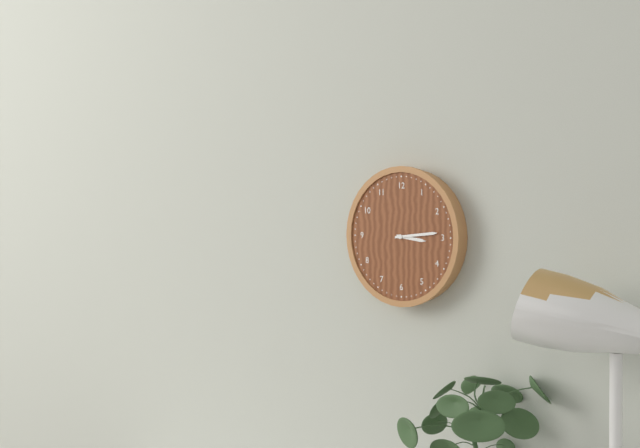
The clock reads 3h14
